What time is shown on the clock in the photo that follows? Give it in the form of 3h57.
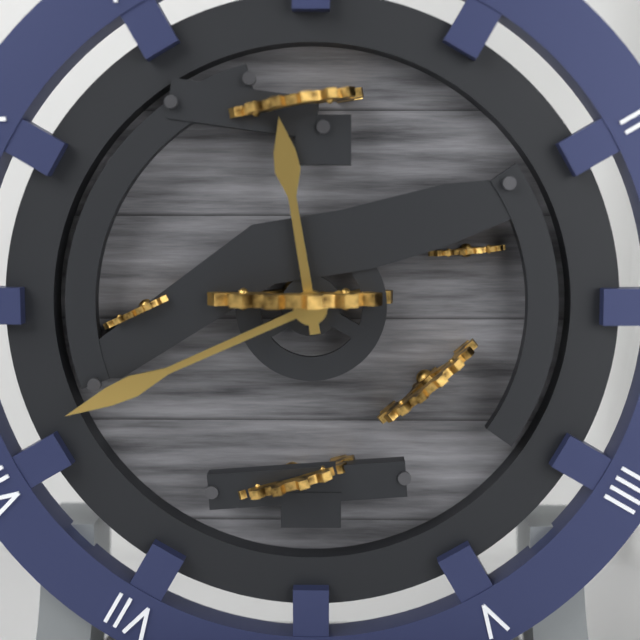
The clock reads 11h41
